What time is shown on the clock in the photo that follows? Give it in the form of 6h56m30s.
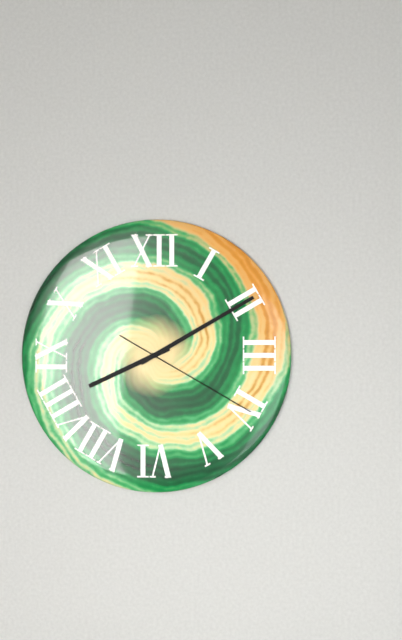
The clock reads 8h10m20s
